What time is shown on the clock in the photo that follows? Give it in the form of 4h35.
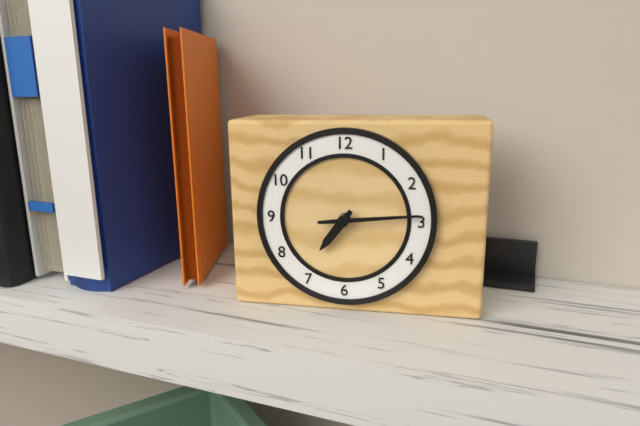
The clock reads 7h14
